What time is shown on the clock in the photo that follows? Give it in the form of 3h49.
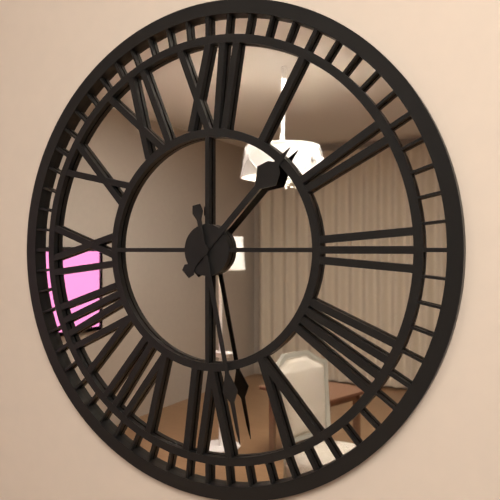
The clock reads 1h28
